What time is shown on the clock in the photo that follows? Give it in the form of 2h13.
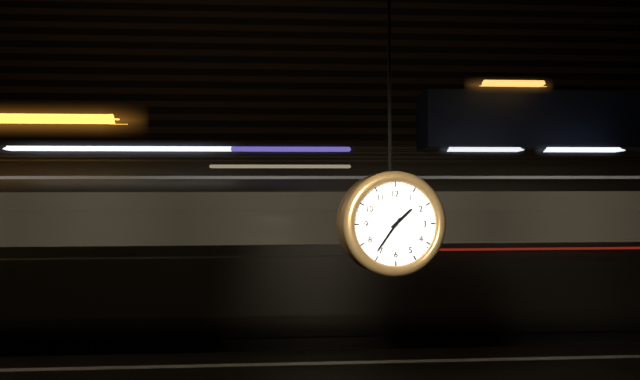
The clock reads 1h36
